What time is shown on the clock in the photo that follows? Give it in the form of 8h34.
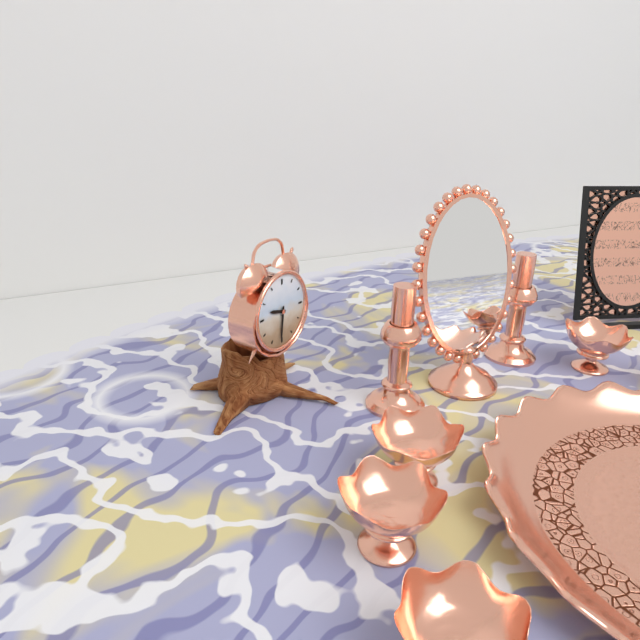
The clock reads 9h31
